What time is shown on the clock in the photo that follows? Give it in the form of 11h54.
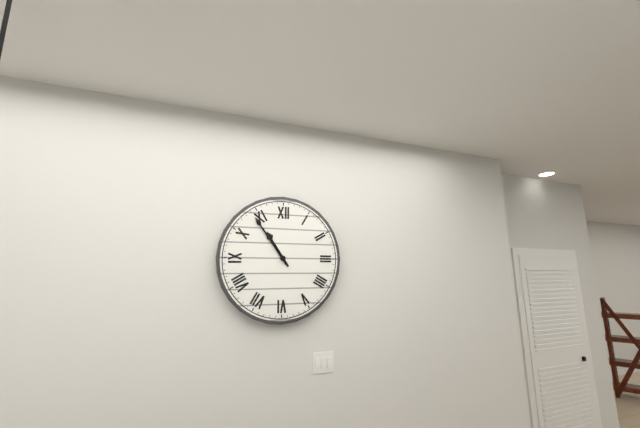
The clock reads 10h54
